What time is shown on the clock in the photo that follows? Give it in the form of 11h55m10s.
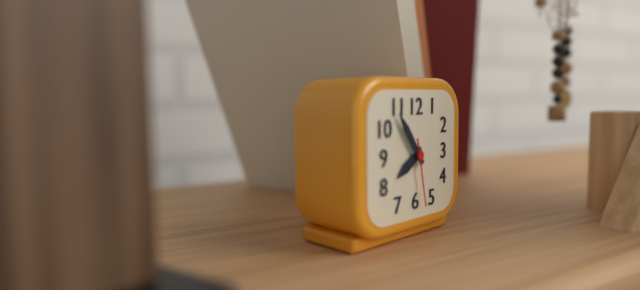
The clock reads 7h54m28s
